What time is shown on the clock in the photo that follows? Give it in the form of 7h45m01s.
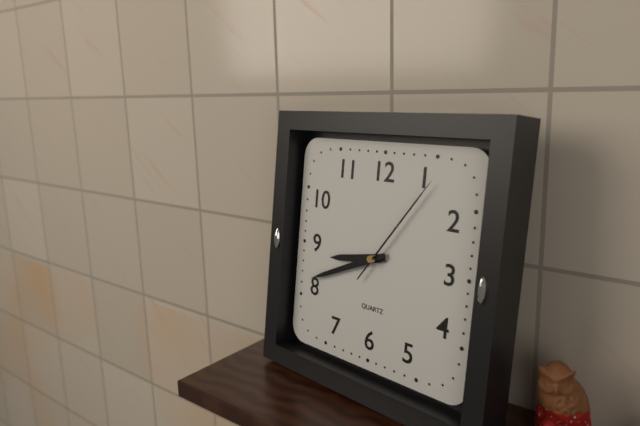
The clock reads 8h41m06s
